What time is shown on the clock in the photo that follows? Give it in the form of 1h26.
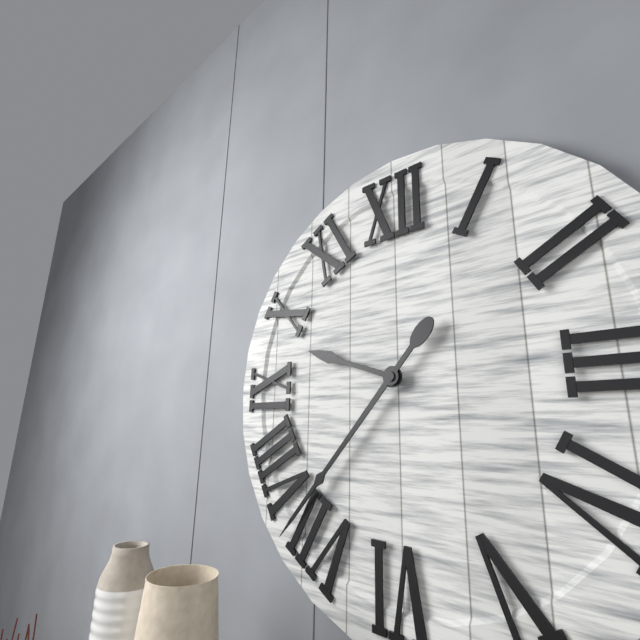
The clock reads 9h37
